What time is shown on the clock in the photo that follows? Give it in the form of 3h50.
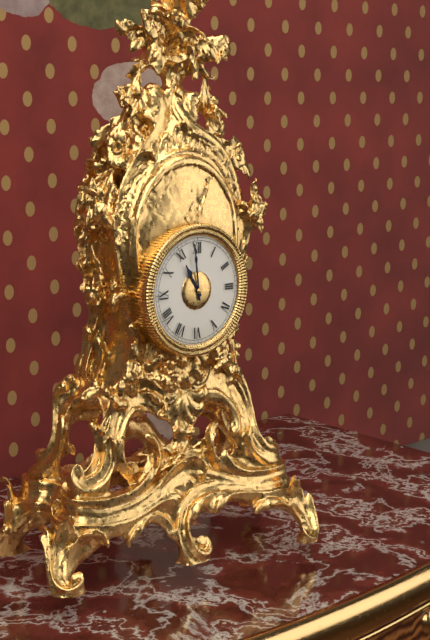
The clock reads 10h59
